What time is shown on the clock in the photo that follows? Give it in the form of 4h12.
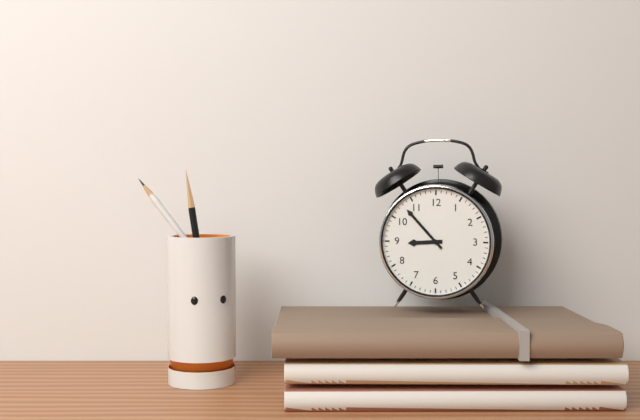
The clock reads 8h53
